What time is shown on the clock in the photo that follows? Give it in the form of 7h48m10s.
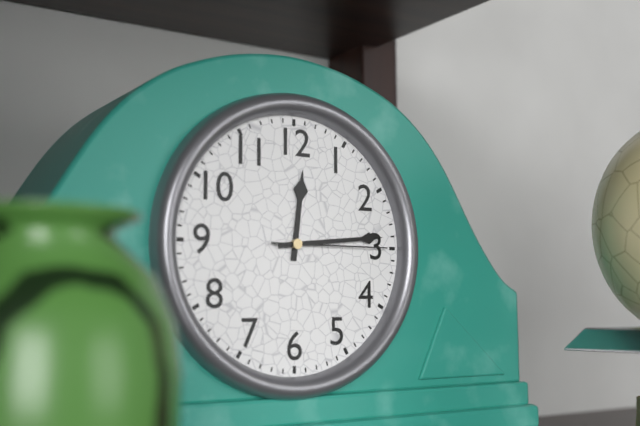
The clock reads 12h14m15s
